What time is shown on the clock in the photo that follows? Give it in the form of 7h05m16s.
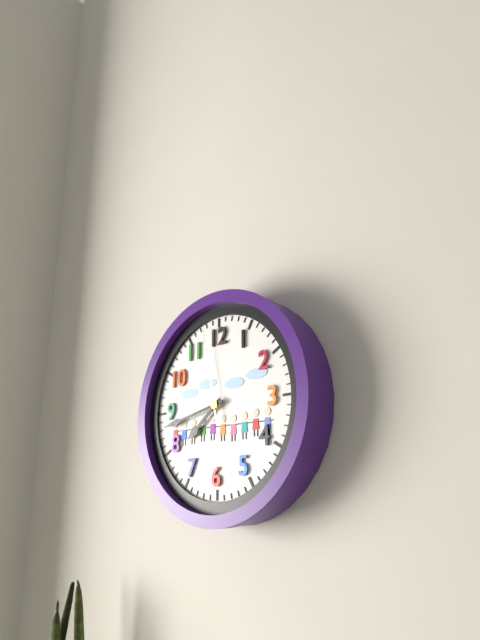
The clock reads 7h43m58s
